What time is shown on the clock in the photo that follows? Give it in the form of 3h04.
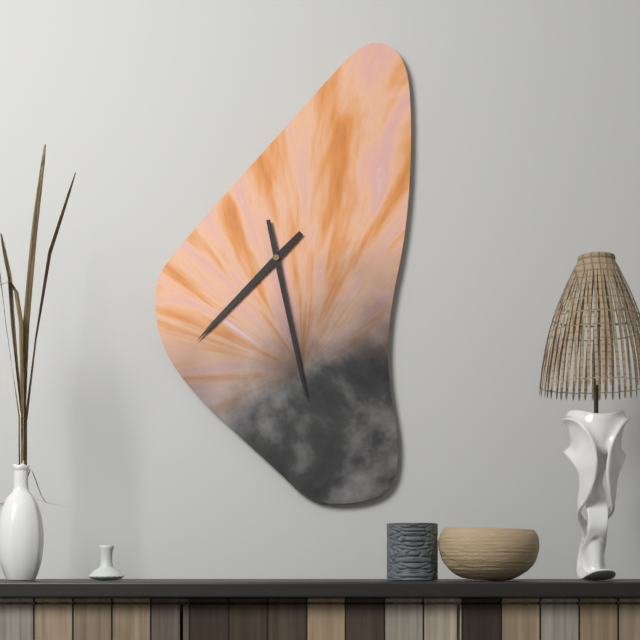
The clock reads 7h28
